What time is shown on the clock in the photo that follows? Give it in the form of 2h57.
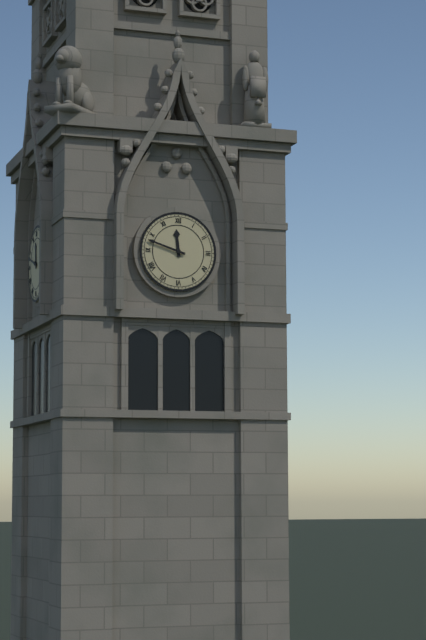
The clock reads 11h48
